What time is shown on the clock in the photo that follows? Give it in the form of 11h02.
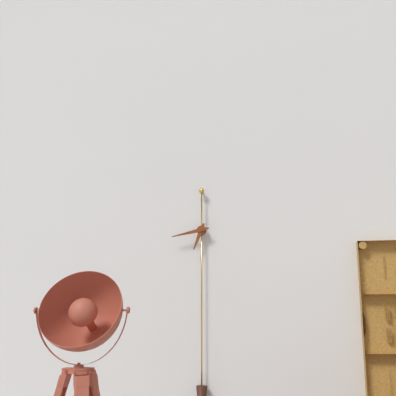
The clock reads 6h43
